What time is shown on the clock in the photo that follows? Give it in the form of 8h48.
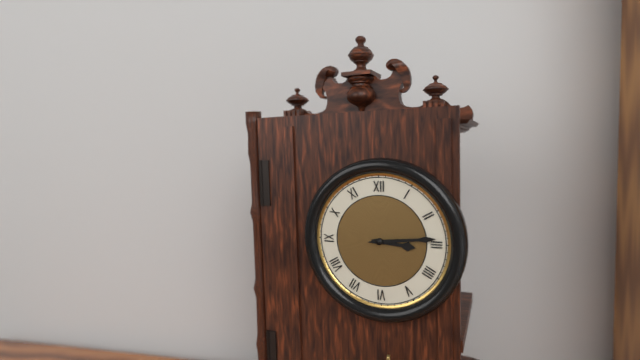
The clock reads 3h14
